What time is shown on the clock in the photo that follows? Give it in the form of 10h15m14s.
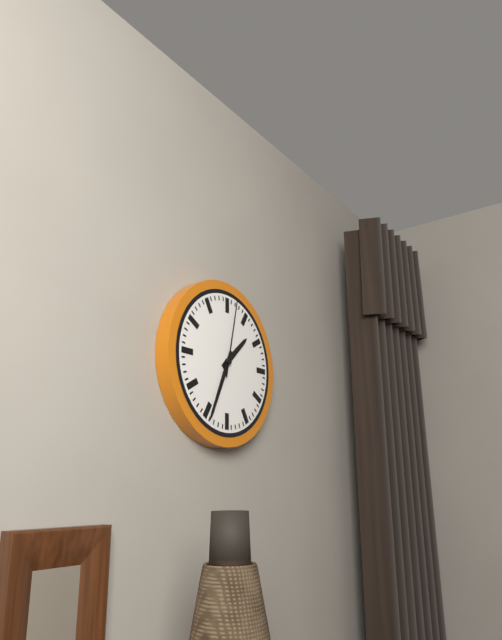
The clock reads 1h34m02s
